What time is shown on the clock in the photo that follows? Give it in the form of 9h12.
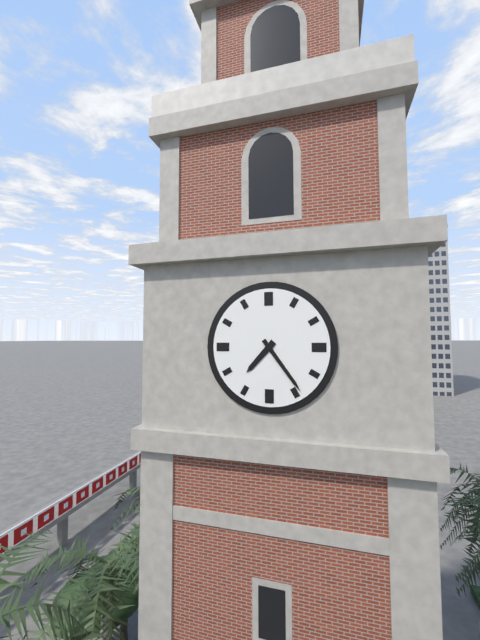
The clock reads 7h24
